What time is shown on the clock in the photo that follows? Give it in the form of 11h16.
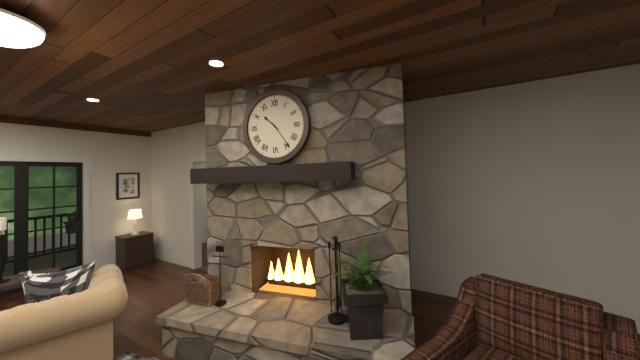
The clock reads 10h24
